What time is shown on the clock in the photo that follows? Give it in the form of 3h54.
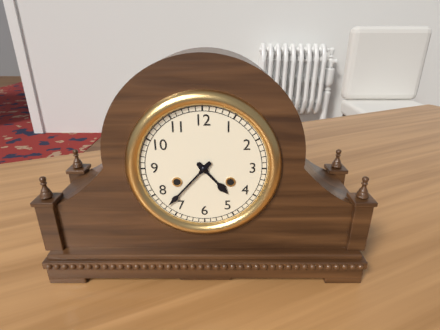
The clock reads 4h37
